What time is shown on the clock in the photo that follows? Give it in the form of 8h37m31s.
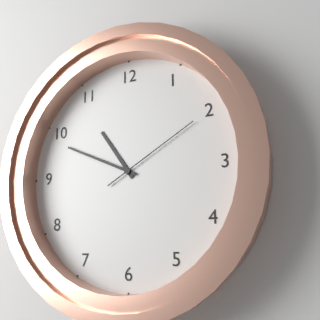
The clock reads 10h49m10s
